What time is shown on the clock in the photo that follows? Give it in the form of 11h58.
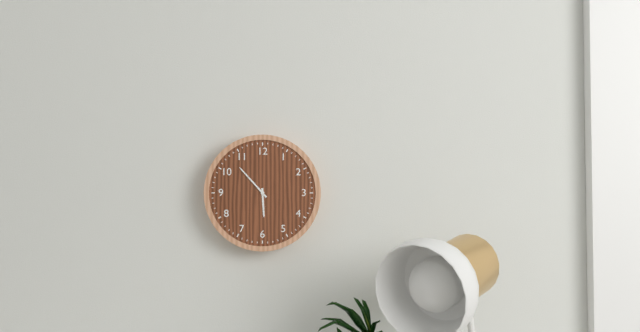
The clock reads 5h53
